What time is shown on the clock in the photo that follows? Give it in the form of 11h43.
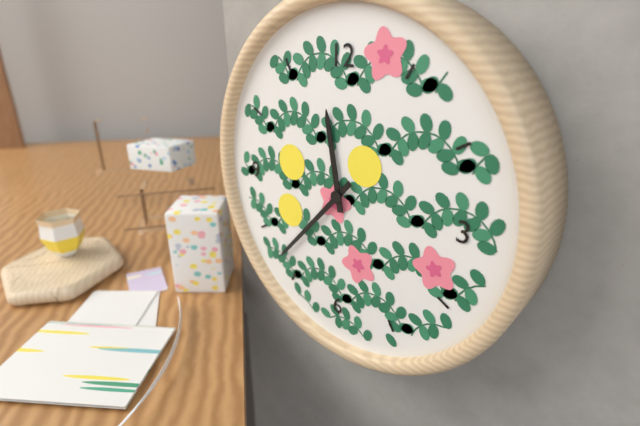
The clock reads 11h37
